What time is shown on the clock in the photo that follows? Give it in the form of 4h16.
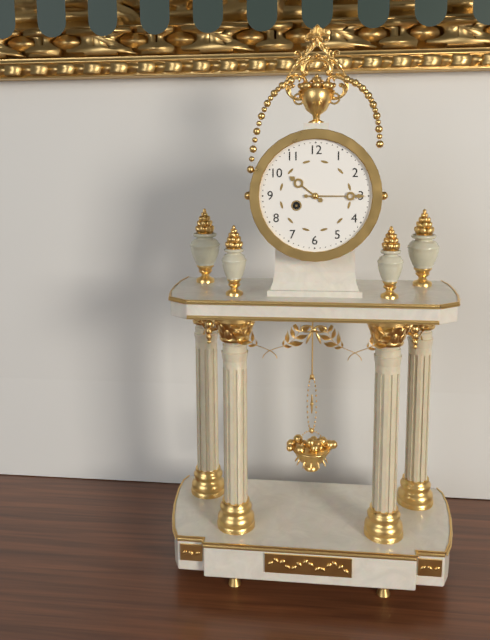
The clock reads 10h15
